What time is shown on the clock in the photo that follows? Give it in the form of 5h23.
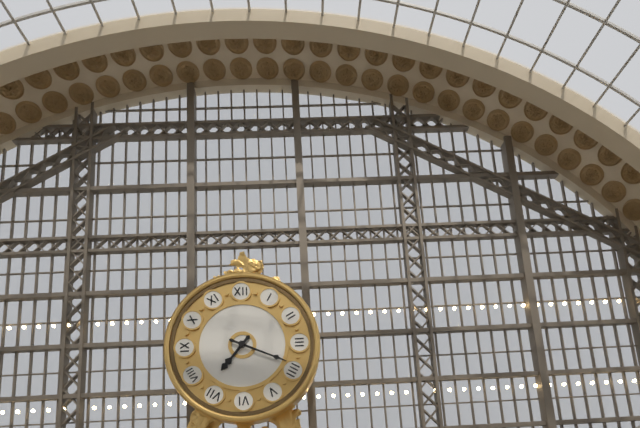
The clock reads 7h19
